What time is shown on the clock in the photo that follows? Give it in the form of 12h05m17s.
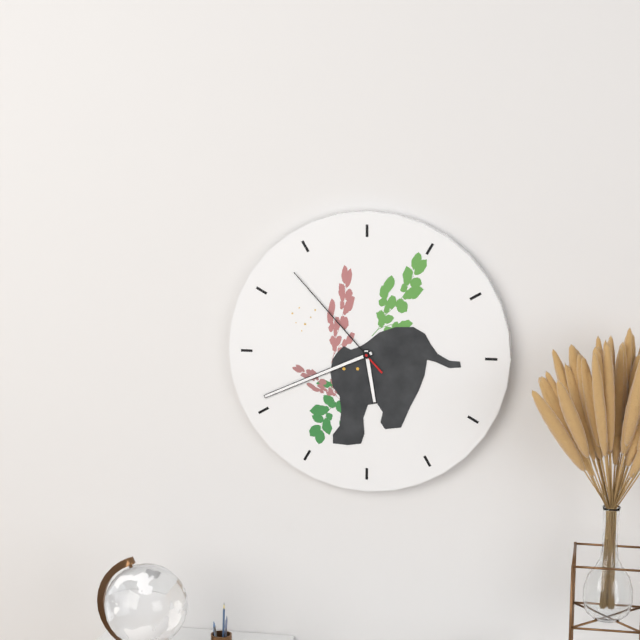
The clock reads 5h41m53s
